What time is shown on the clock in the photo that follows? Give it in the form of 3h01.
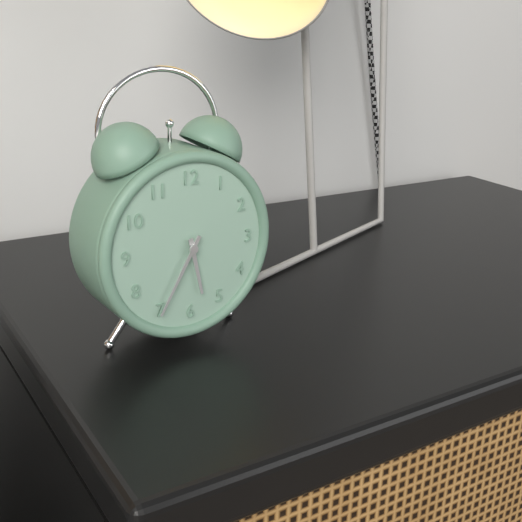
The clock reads 5h35
